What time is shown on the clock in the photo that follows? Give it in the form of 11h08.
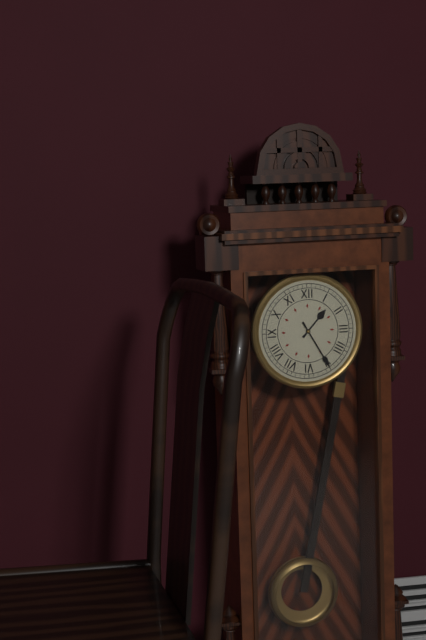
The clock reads 1h25
